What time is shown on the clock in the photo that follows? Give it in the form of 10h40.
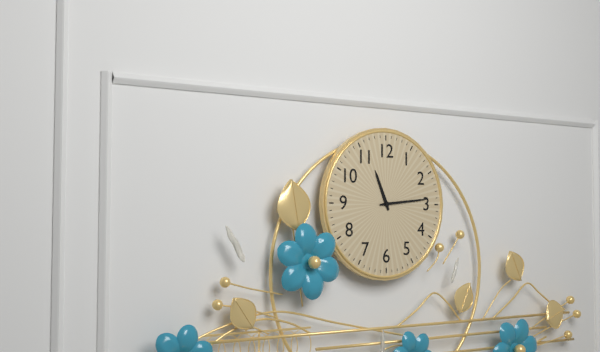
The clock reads 11h14
